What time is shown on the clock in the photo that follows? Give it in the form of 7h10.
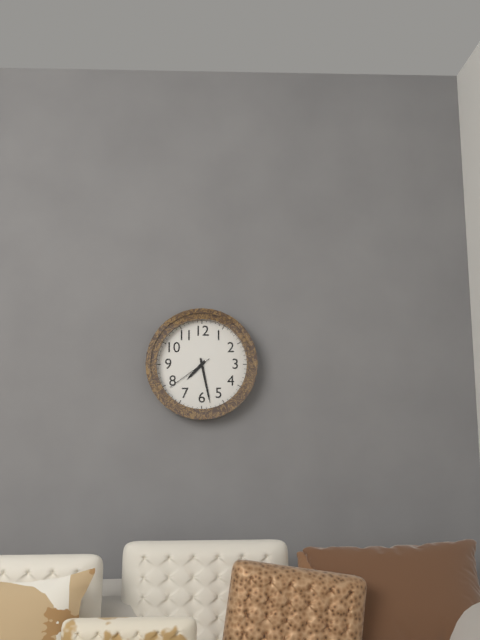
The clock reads 7h28
